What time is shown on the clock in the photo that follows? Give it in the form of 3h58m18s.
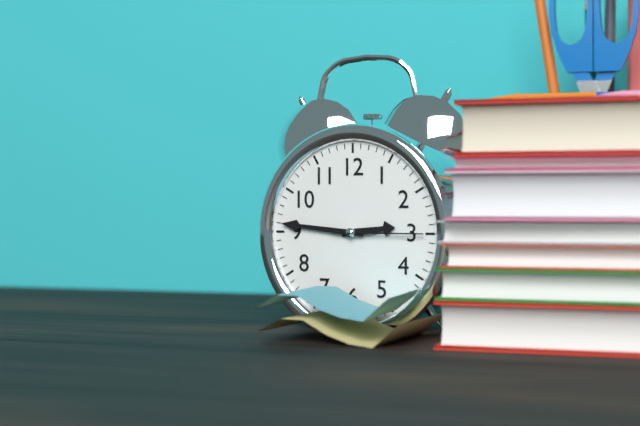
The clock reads 2h46m15s
